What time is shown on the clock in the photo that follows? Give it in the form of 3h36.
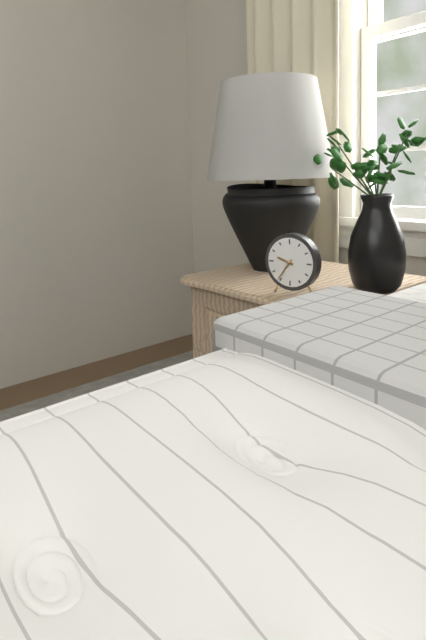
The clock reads 9h36
